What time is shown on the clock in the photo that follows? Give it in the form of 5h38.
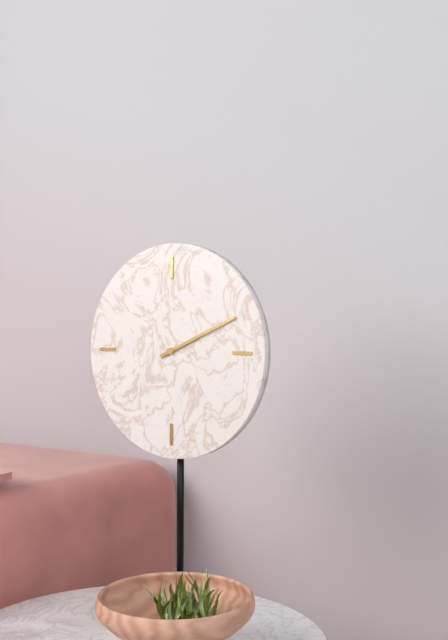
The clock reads 2h11
